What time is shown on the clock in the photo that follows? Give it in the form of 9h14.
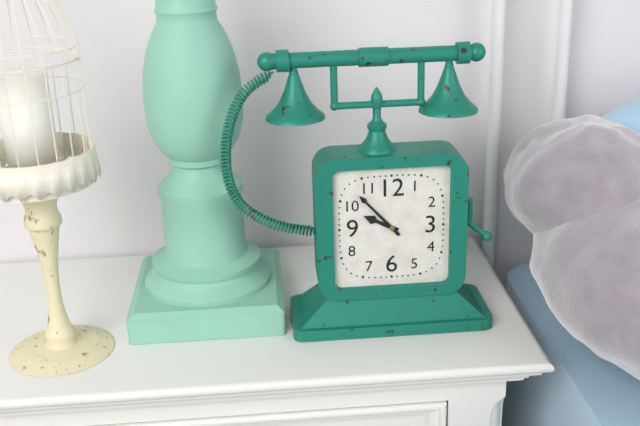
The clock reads 9h53
